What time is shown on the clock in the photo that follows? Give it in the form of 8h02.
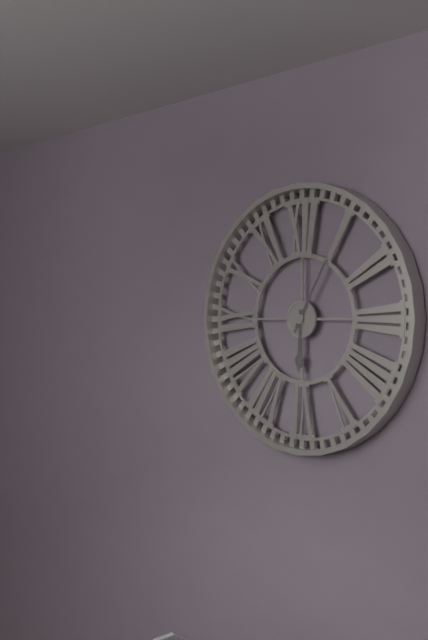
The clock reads 6h05
